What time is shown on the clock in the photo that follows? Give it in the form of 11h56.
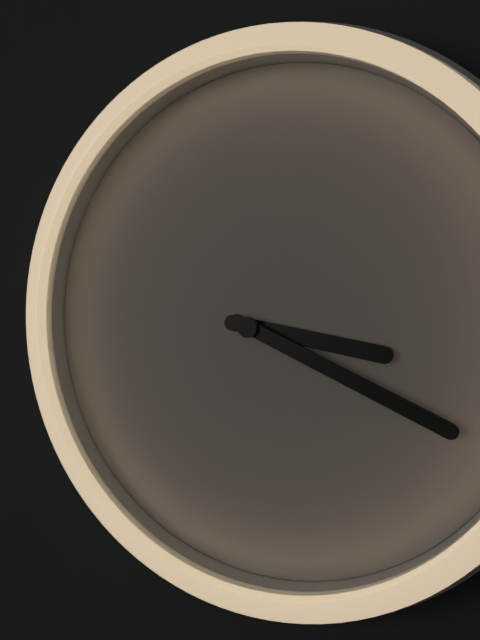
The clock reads 3h19
